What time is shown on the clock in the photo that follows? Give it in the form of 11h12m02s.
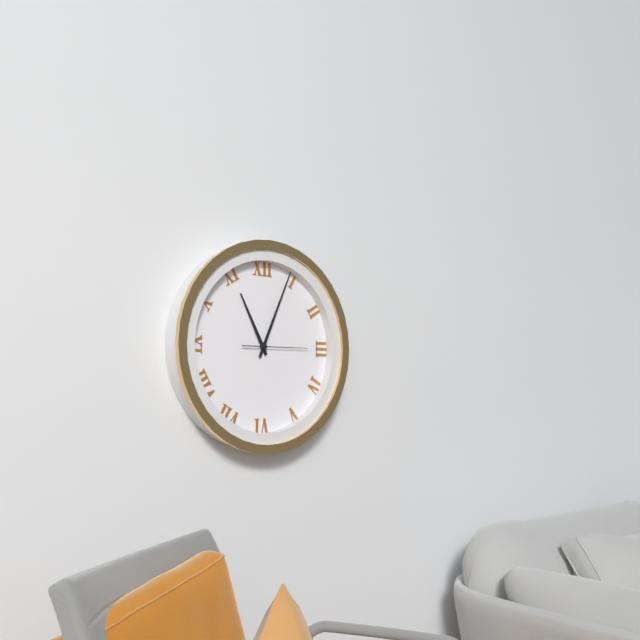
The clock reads 11h04m15s
